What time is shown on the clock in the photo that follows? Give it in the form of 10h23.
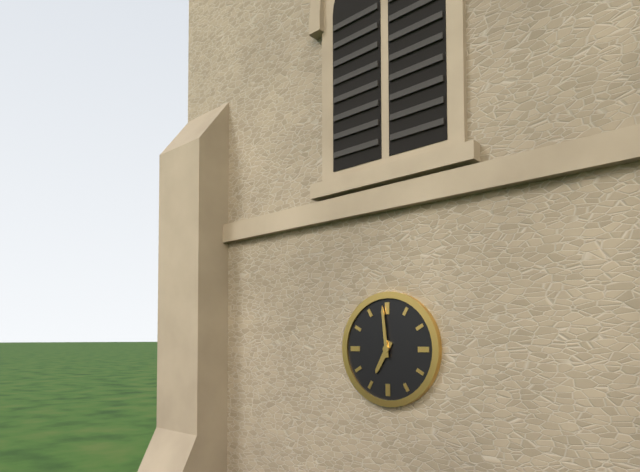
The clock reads 6h59
